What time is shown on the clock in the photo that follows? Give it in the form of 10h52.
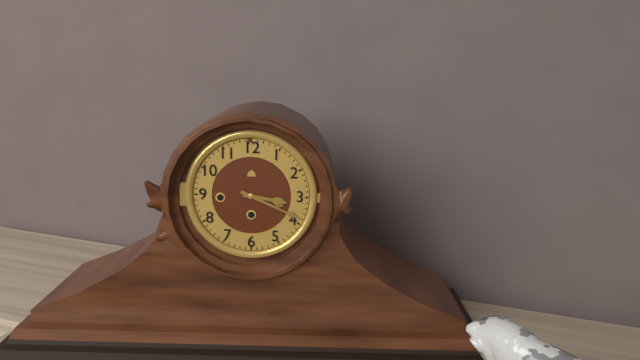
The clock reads 3h19
